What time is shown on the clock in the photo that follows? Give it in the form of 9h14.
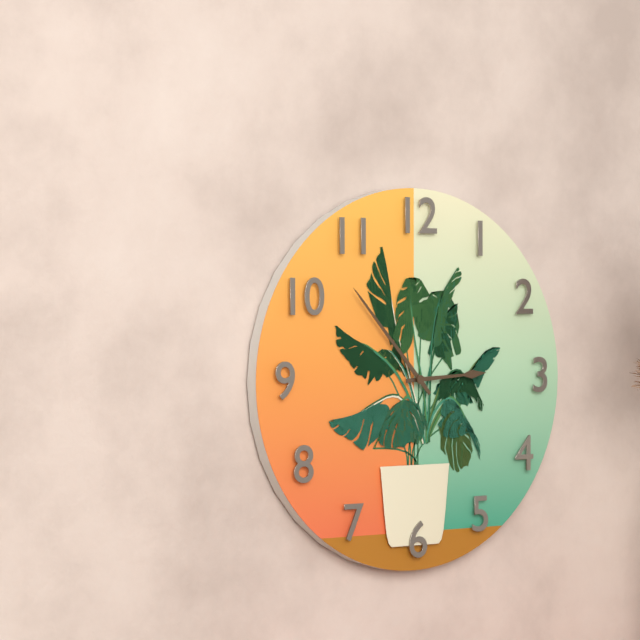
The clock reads 2h53
